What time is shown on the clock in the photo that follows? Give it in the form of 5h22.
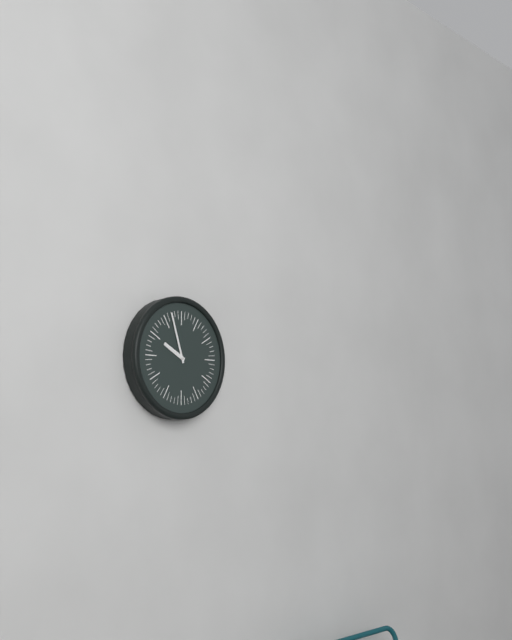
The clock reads 9h57
